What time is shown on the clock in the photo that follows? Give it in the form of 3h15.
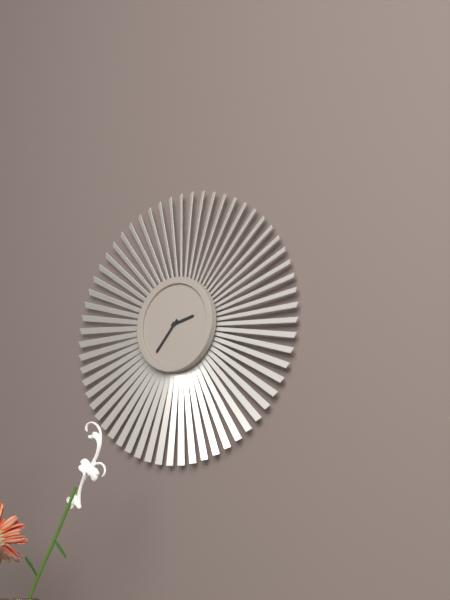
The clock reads 2h37
